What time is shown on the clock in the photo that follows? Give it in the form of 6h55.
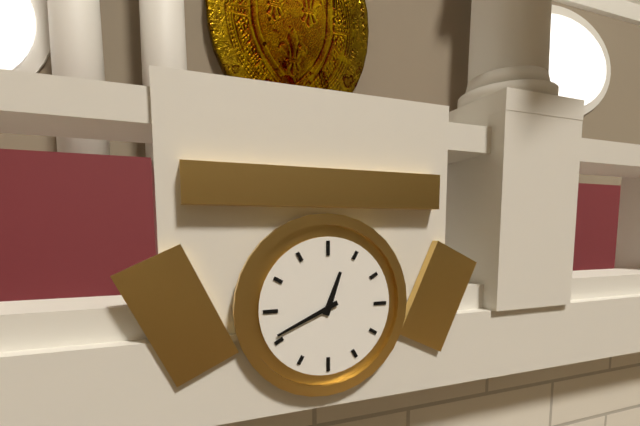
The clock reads 12h41
